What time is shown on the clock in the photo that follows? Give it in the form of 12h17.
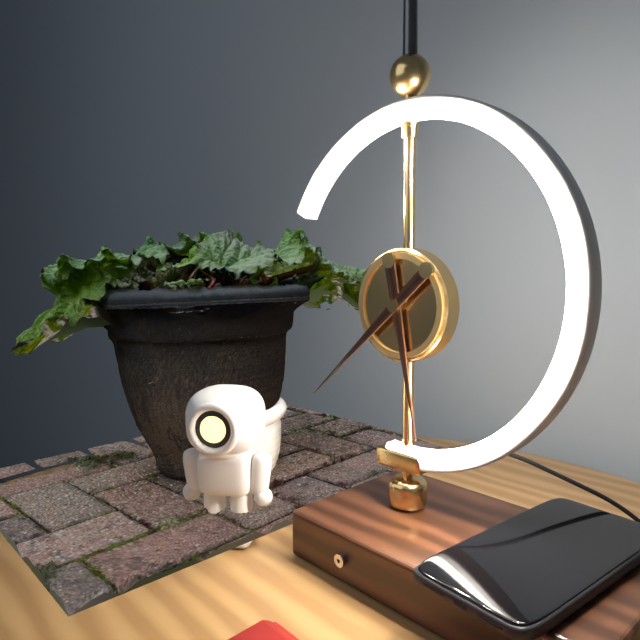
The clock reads 5h38
